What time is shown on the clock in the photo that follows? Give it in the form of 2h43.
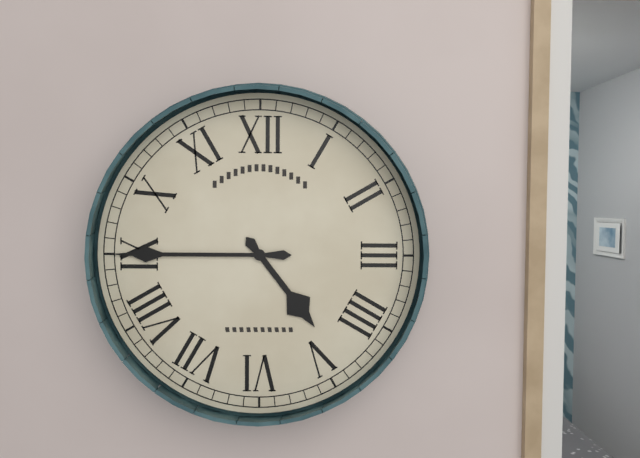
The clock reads 4h45
